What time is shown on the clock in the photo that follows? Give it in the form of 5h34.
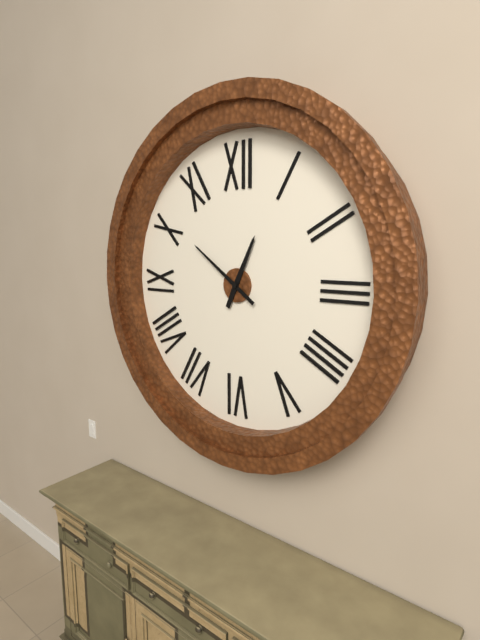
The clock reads 12h51
